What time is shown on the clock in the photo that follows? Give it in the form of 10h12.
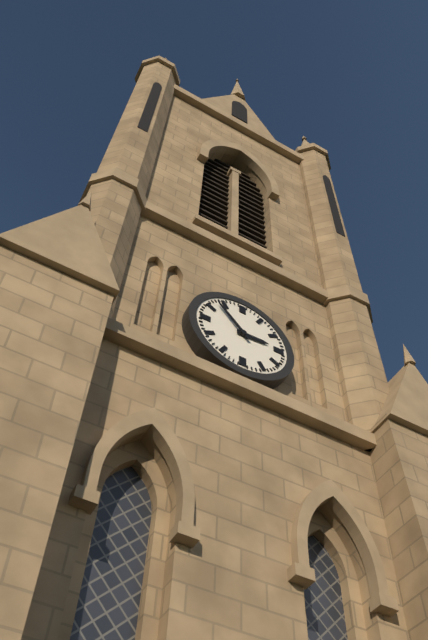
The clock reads 2h53
